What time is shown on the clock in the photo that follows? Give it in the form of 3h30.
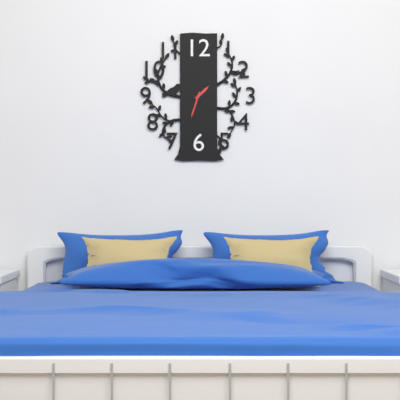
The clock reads 1h33
